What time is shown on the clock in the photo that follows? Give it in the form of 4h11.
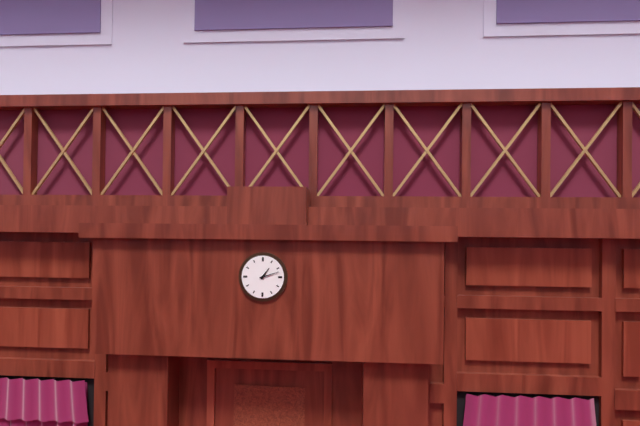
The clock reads 1h12
